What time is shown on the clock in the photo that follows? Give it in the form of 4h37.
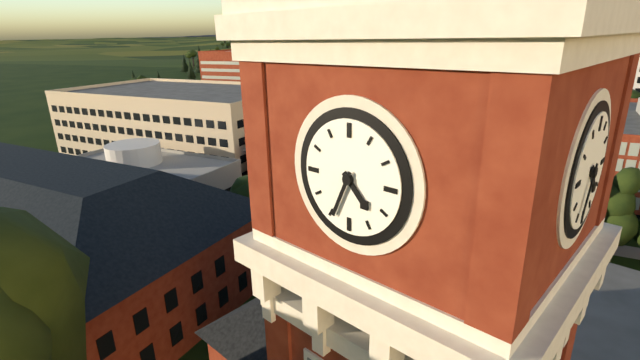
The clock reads 4h34
